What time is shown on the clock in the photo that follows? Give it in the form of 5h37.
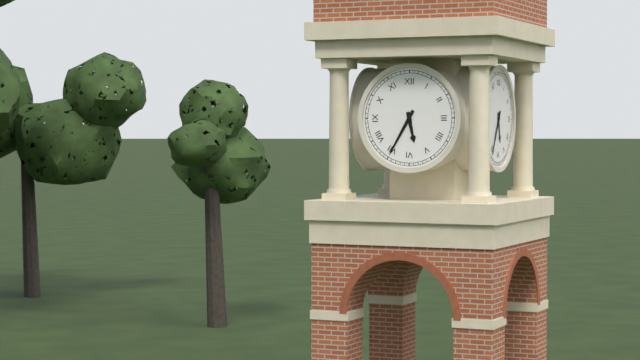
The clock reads 5h35
